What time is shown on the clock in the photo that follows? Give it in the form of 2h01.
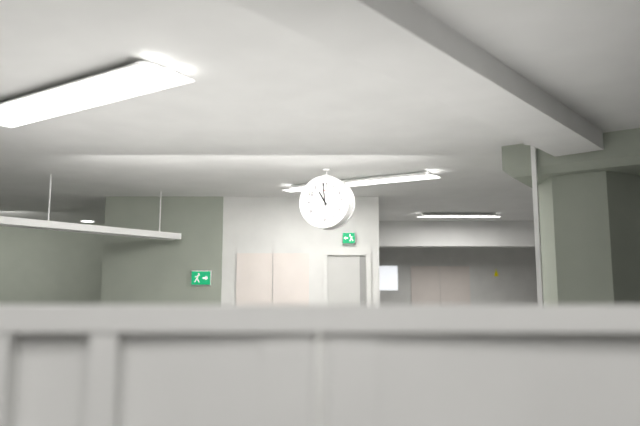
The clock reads 10h59
